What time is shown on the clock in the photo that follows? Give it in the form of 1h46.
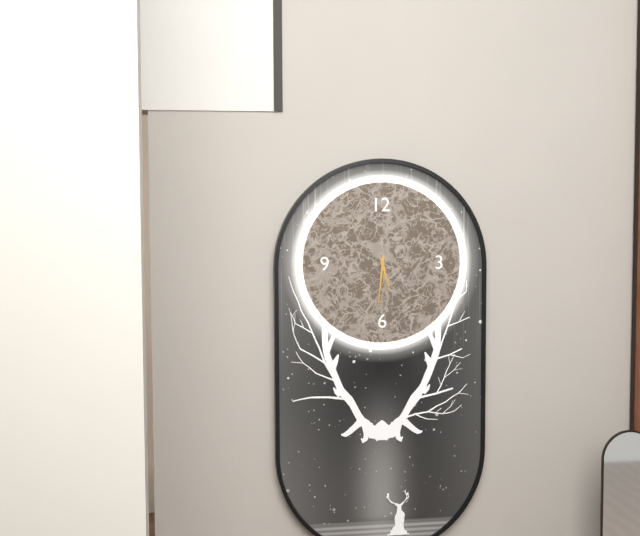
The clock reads 5h31
